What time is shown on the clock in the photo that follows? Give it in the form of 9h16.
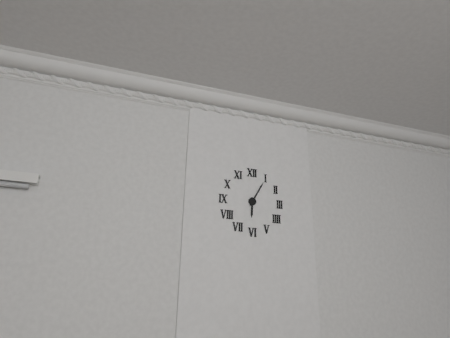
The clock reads 6h05
